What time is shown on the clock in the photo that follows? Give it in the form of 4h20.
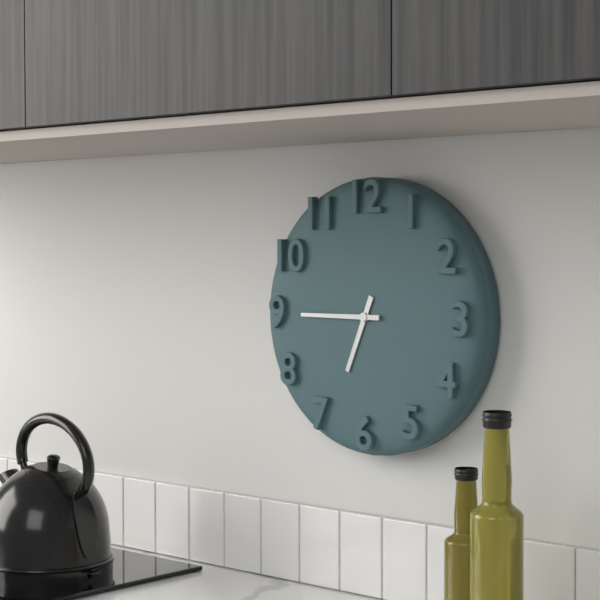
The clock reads 6h45
